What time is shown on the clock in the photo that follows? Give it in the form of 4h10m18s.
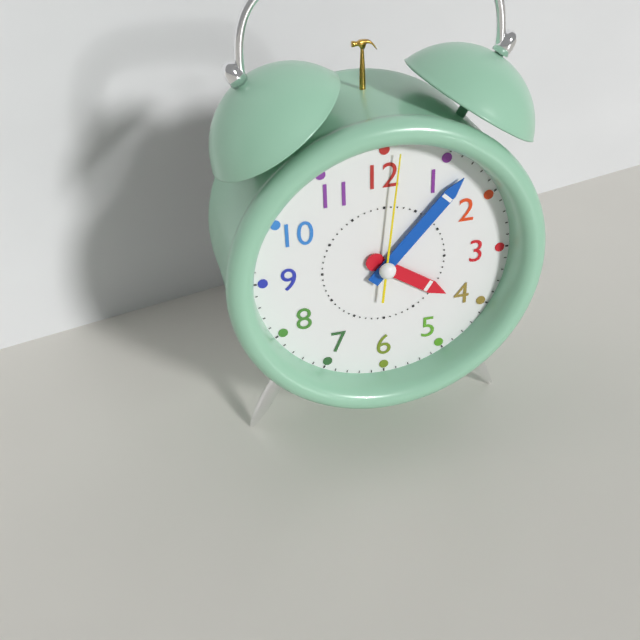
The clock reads 4h07m01s
